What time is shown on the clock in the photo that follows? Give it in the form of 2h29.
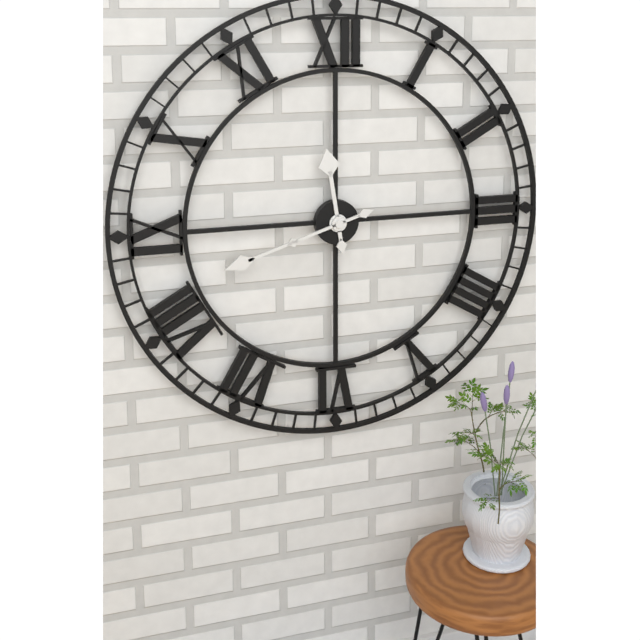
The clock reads 11h42
